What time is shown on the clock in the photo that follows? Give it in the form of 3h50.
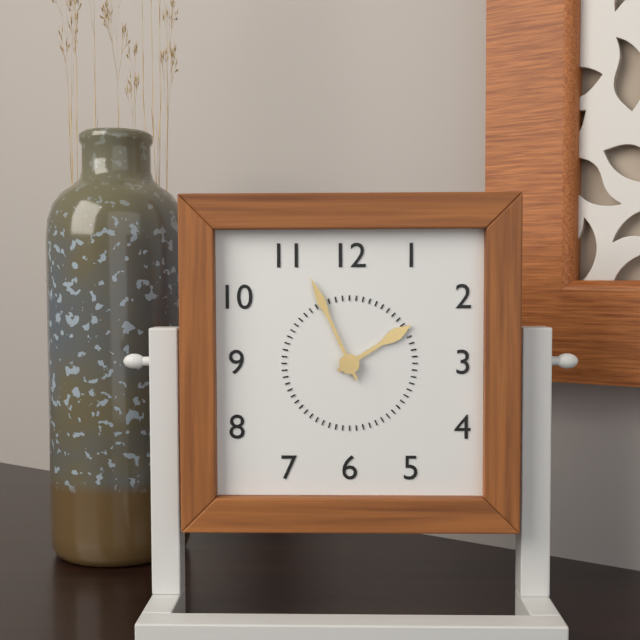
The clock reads 1h56
